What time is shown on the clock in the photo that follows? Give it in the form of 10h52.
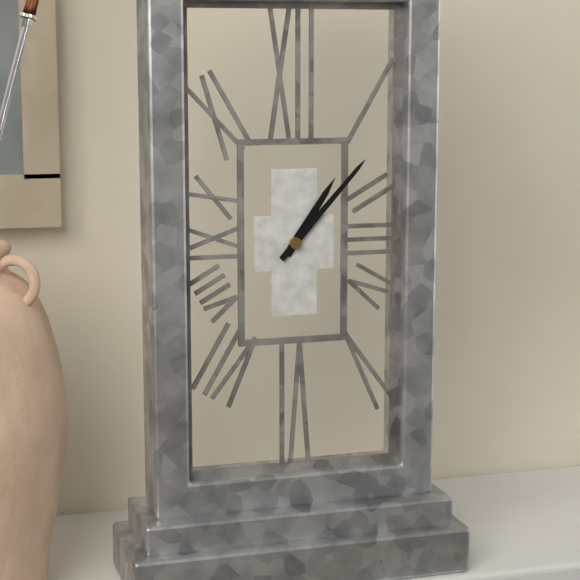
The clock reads 1h07
